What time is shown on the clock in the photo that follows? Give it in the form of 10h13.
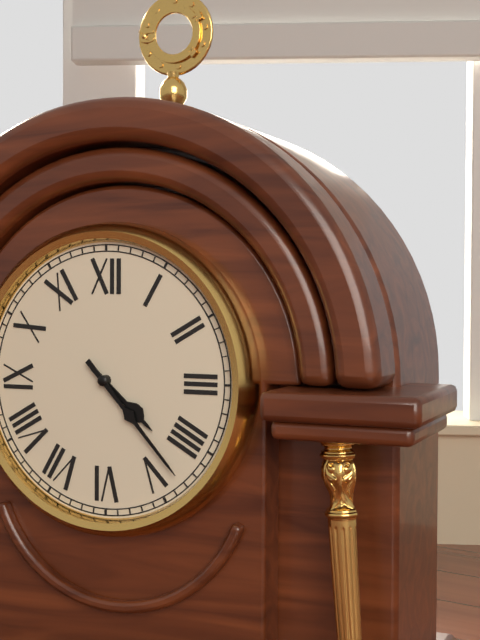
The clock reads 4h23
